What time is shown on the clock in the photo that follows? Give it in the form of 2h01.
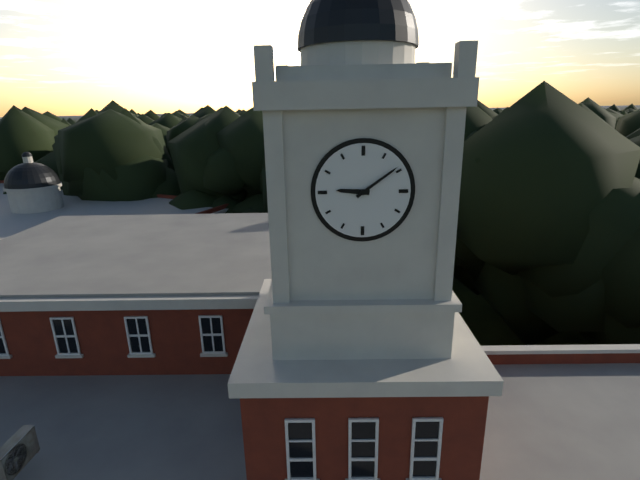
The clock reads 9h09
